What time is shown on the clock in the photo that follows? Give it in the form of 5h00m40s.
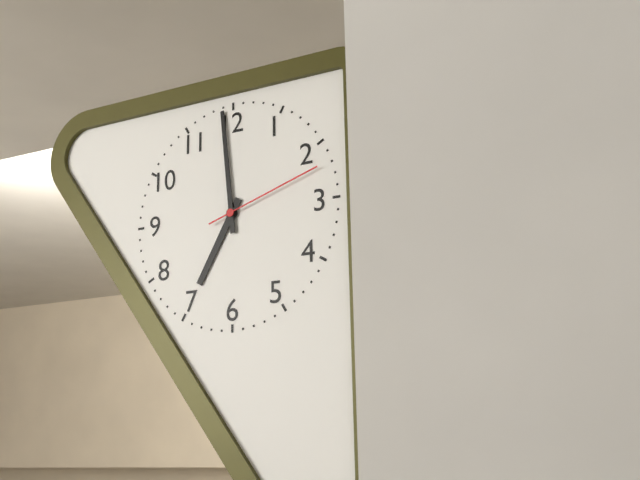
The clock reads 6h59m12s
